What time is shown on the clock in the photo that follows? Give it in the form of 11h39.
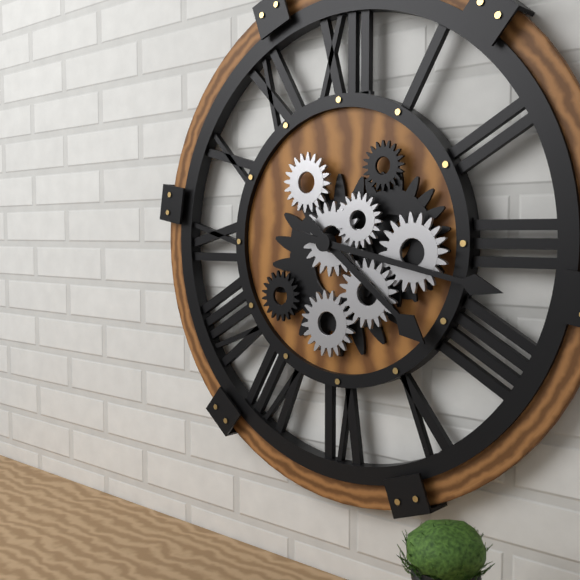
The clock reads 4h17
